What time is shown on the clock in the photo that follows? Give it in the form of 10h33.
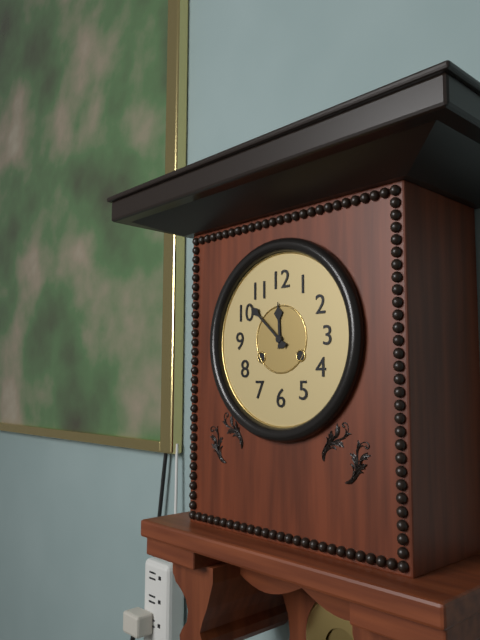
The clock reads 11h52
